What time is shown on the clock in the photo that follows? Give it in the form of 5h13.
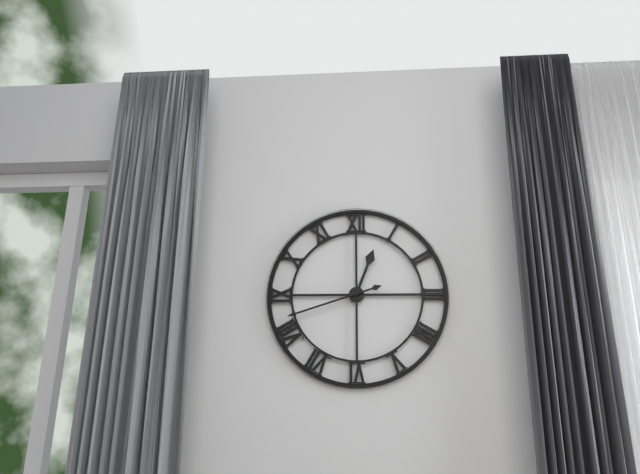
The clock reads 12h42
